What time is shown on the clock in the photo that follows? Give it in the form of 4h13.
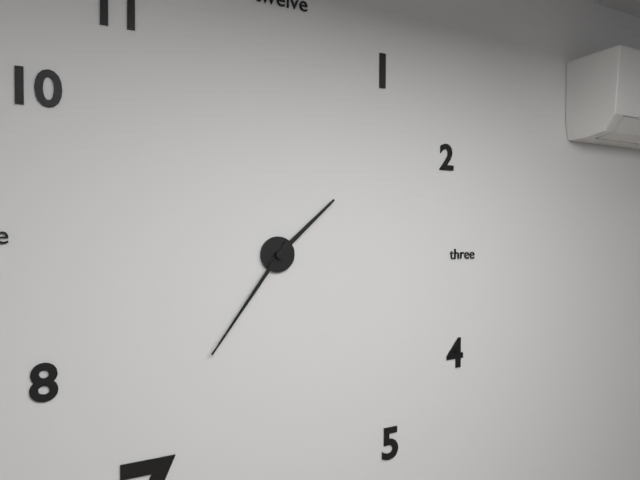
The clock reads 1h36
